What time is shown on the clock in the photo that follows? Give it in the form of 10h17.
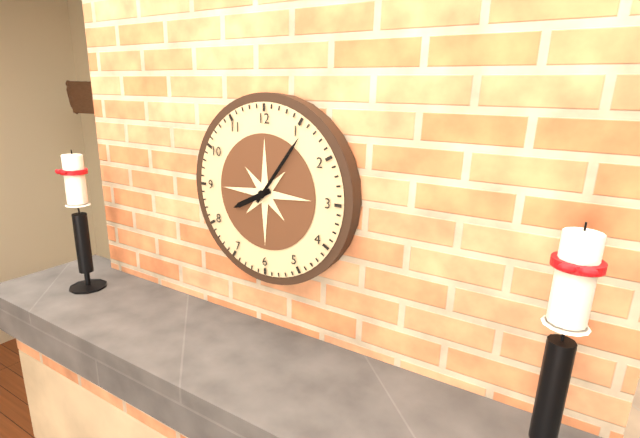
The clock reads 8h06
